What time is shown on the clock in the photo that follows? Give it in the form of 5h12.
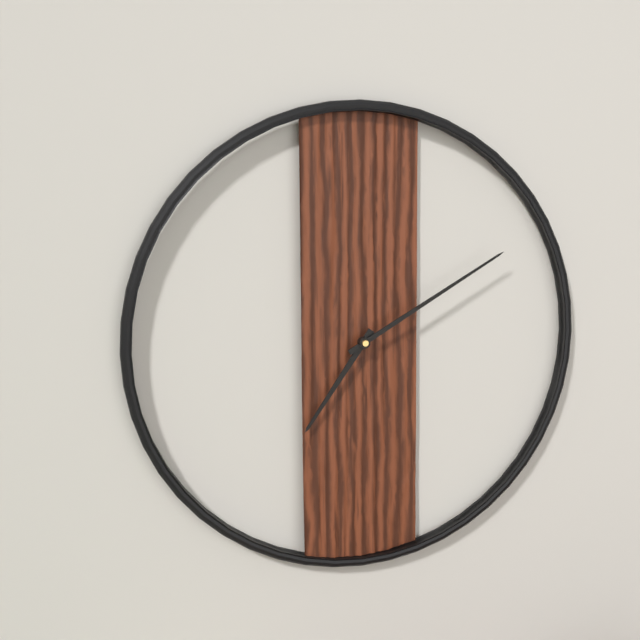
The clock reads 7h10
